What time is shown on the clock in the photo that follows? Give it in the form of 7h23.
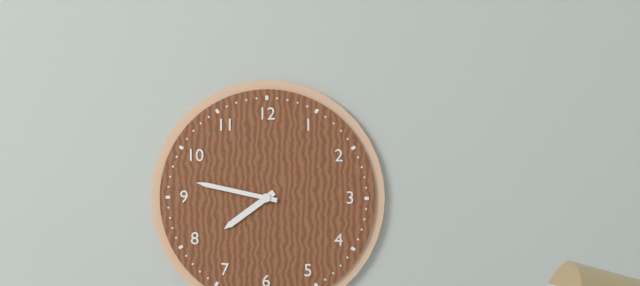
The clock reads 7h47
